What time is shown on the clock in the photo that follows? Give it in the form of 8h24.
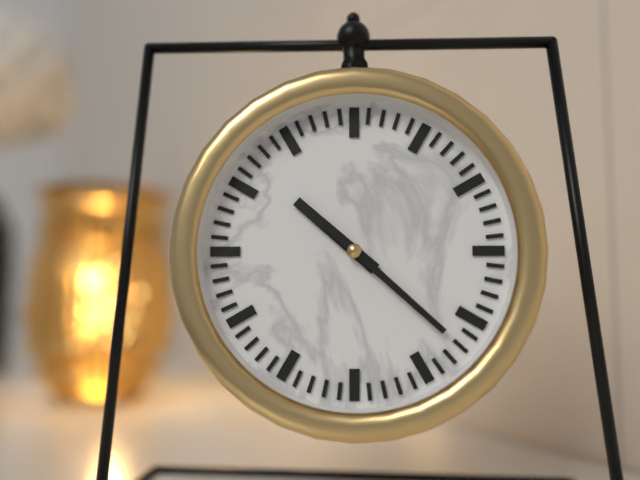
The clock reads 10h22
